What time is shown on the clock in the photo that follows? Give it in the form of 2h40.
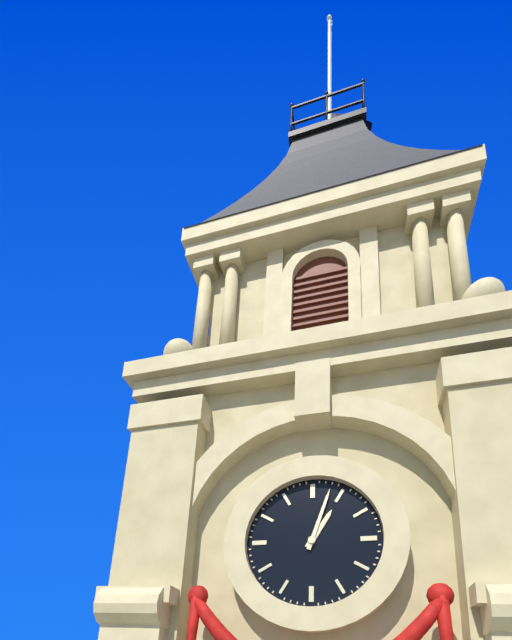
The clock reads 1h03
